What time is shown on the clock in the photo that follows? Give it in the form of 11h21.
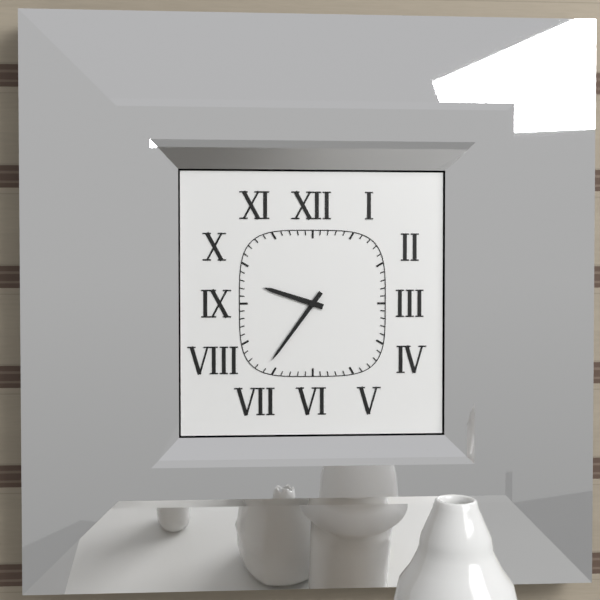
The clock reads 9h36
